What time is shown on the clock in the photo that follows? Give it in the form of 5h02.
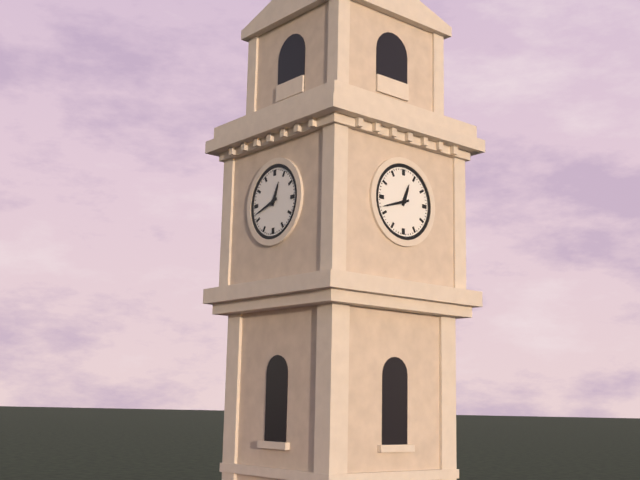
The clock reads 12h42
